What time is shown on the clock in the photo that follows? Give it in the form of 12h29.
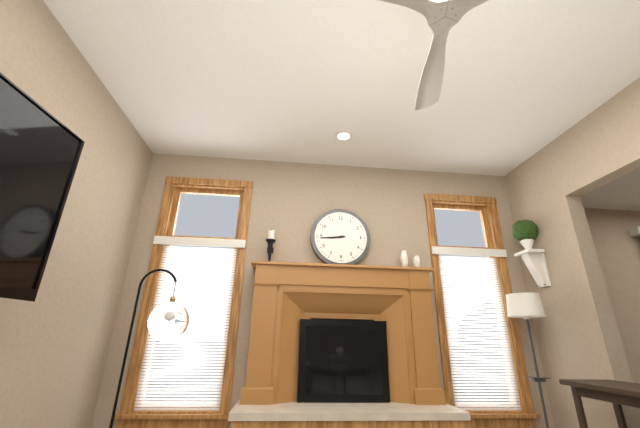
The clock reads 8h44
